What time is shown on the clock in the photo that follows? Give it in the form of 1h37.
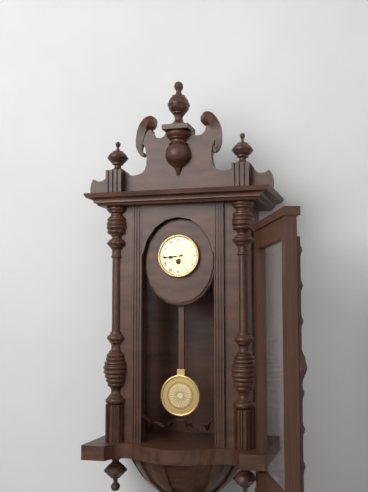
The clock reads 8h44
